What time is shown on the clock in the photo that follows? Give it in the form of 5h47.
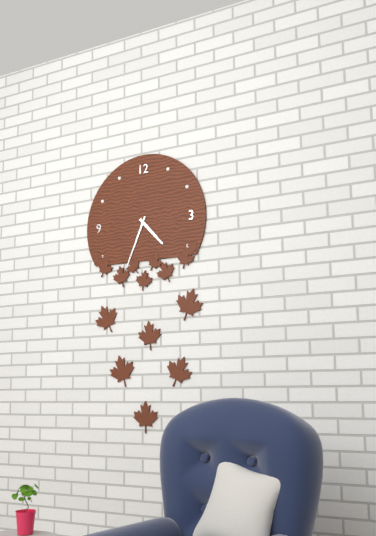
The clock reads 4h34
